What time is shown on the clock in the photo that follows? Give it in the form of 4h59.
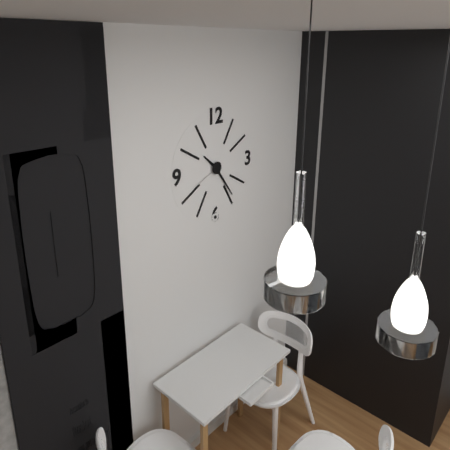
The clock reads 10h24
